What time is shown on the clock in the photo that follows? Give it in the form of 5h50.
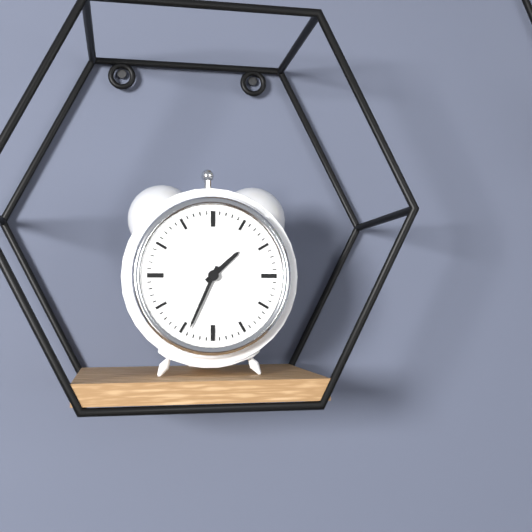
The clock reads 1h34
